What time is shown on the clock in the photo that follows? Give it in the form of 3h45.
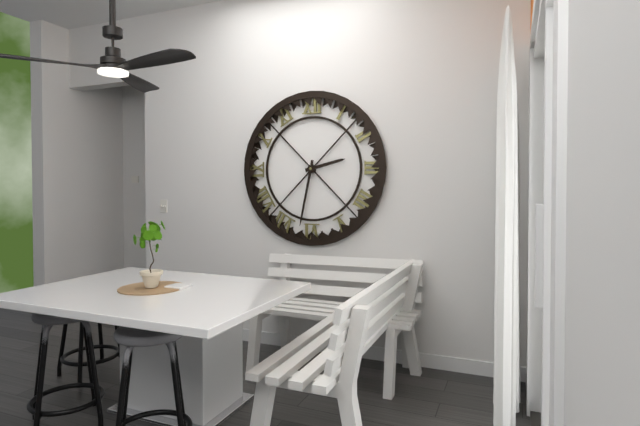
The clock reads 2h32
